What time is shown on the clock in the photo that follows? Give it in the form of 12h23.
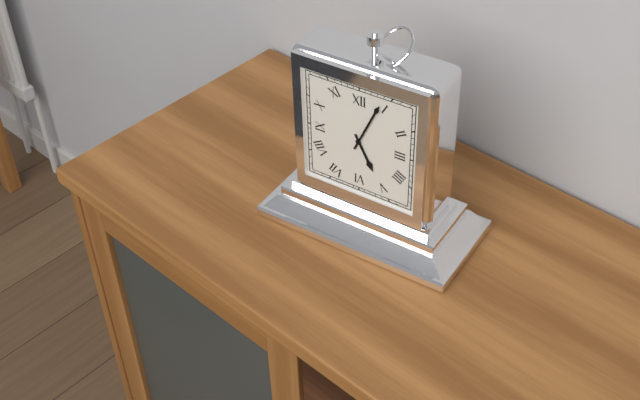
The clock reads 5h04
